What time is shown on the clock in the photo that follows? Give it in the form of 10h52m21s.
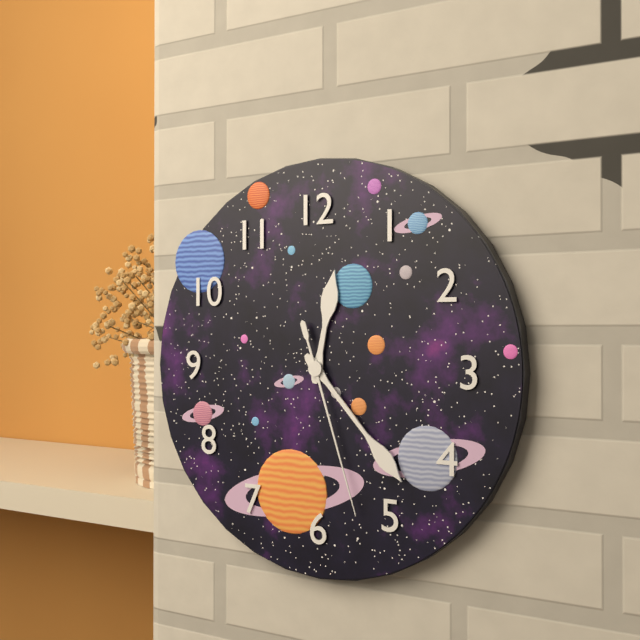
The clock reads 12h23m27s
